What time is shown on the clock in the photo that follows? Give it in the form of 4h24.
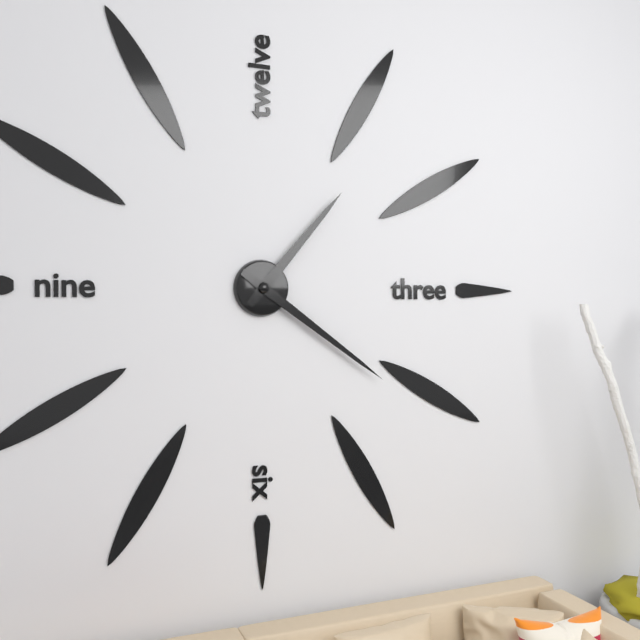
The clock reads 1h21
